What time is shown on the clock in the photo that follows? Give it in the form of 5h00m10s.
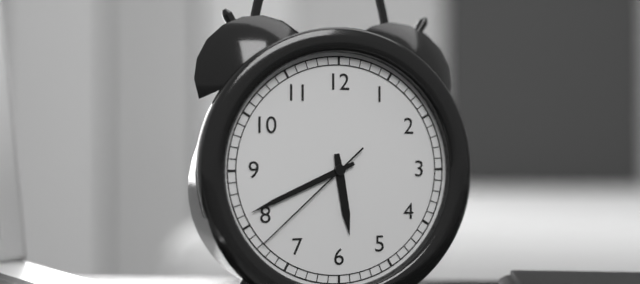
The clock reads 5h41m38s
